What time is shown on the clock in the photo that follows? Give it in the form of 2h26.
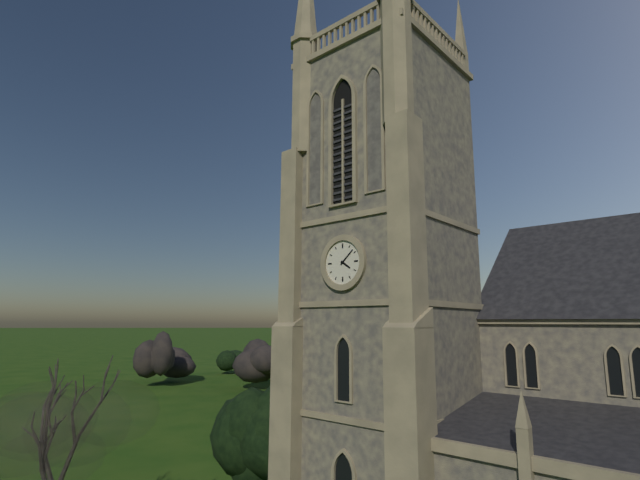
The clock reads 4h08
